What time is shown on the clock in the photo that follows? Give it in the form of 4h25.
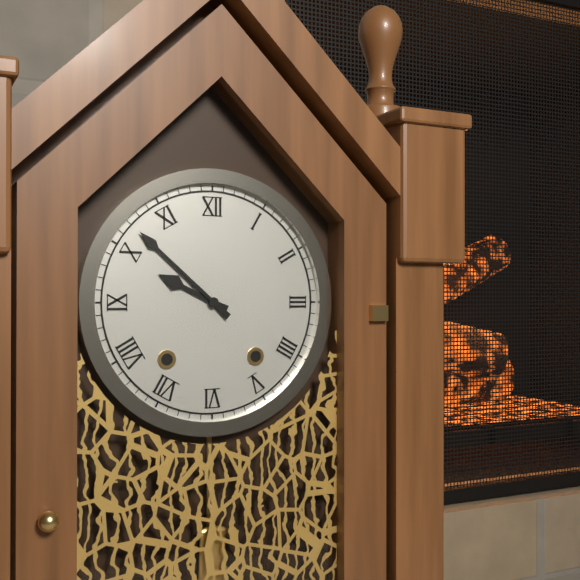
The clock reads 9h52
